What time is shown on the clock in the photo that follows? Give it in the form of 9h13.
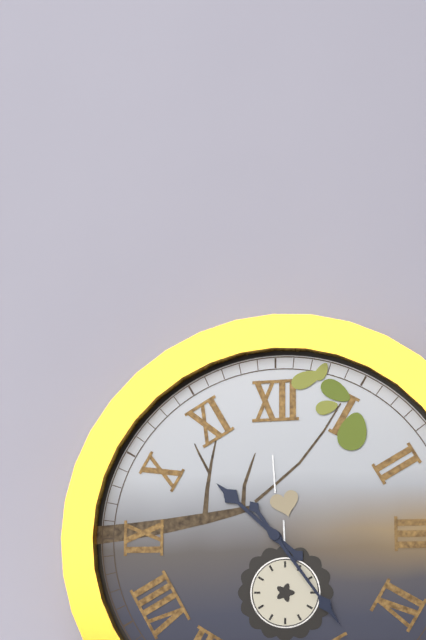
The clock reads 10h24
